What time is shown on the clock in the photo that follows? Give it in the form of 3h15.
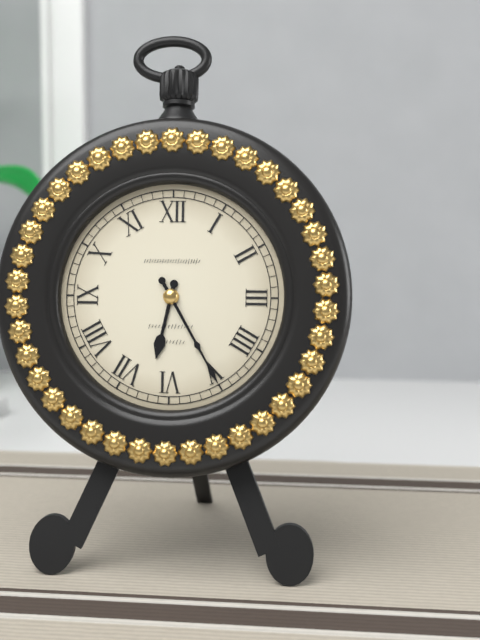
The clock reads 6h25
